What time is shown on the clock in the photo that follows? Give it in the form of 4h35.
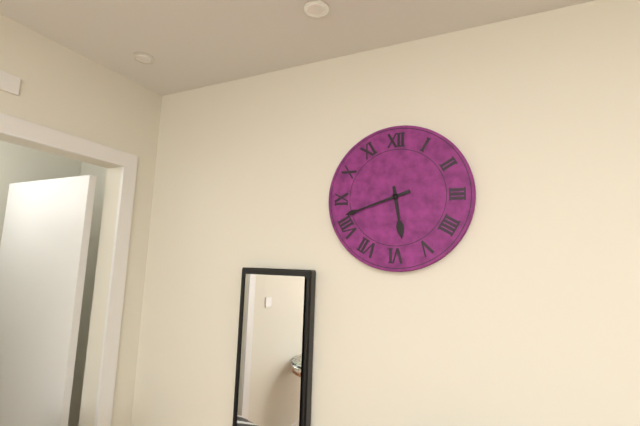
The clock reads 5h42
